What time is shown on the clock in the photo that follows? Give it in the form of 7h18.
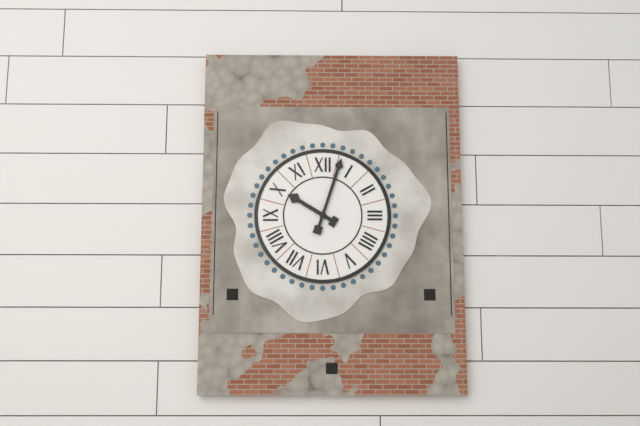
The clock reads 10h03
